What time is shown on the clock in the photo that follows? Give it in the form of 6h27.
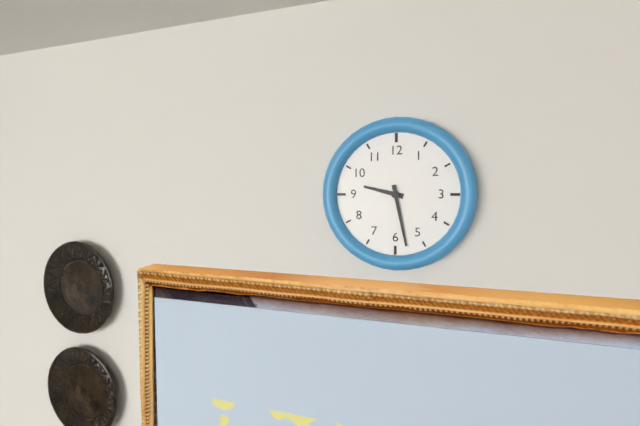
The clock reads 9h28
